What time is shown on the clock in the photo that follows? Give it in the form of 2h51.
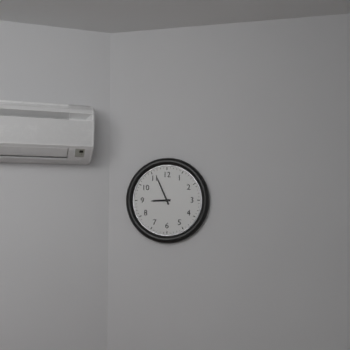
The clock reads 8h56
